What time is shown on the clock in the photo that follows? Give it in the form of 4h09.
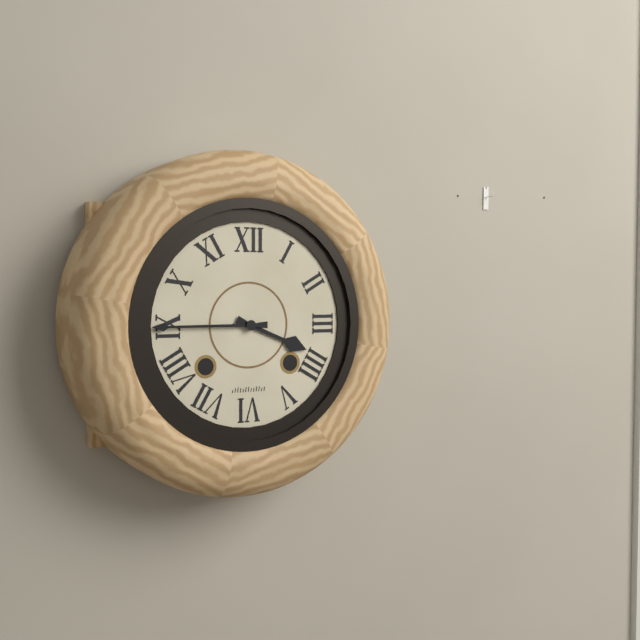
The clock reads 3h45
